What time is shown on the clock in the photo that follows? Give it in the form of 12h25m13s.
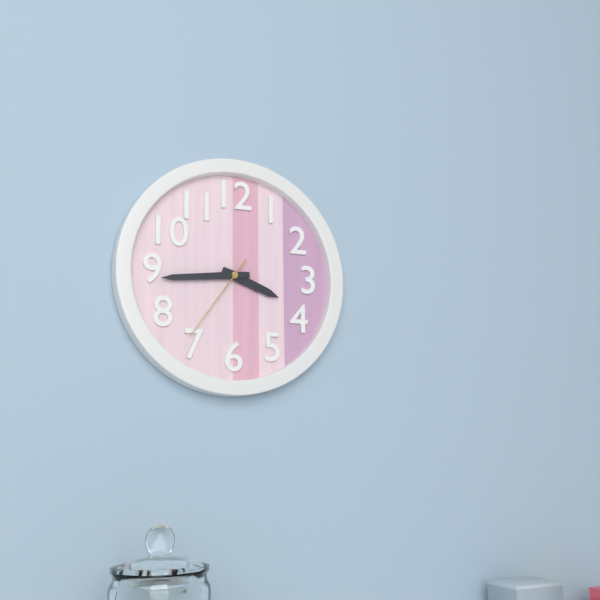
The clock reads 3h44m36s
